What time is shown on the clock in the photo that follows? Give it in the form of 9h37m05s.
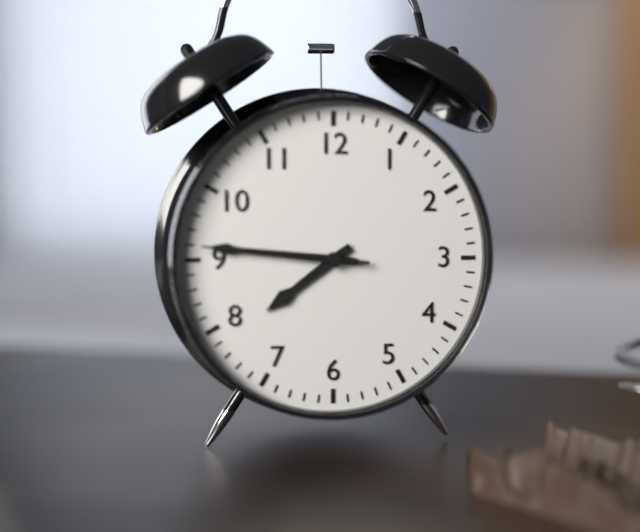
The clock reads 7h46m46s
